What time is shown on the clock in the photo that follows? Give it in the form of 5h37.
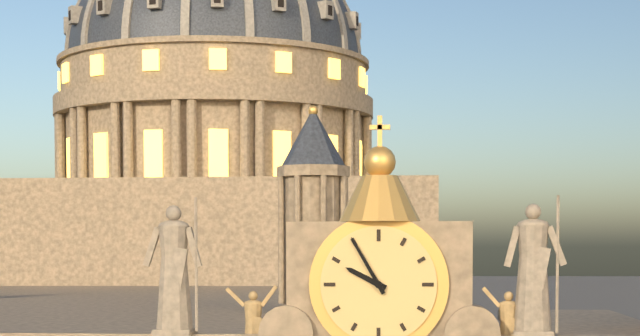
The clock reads 9h55
